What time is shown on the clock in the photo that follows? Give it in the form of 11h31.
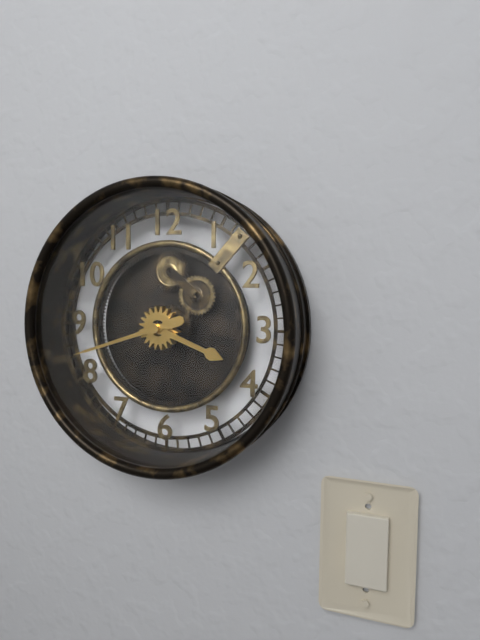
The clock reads 3h42
